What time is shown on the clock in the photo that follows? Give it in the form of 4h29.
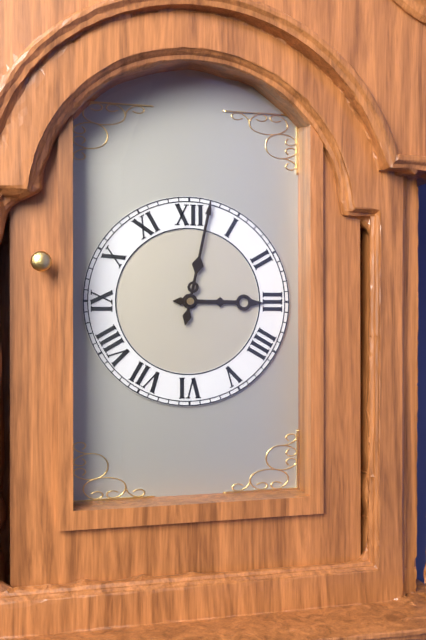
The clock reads 3h02
